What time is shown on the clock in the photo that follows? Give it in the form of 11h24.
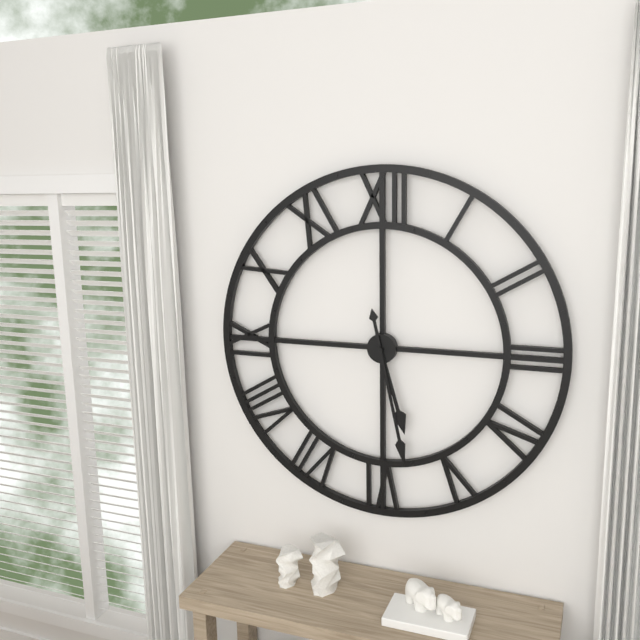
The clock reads 5h28
